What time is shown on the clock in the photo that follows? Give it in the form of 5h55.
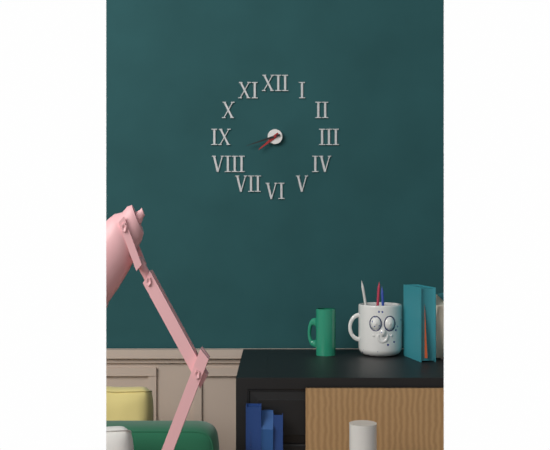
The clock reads 7h42
